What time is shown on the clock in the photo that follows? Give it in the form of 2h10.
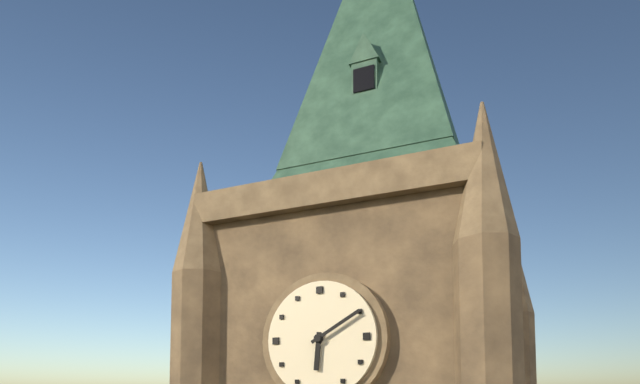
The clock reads 6h10
